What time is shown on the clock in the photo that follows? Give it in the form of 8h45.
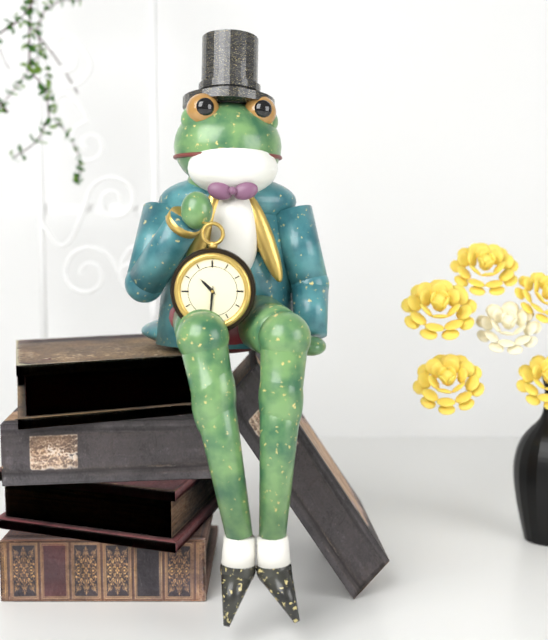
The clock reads 10h31
